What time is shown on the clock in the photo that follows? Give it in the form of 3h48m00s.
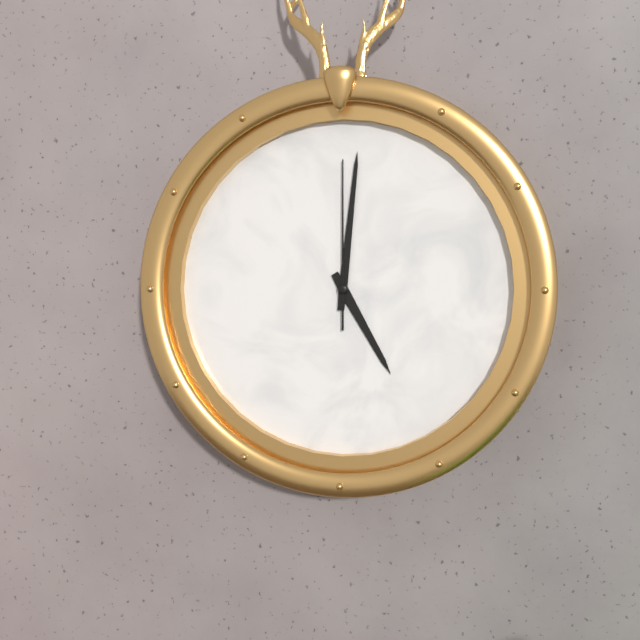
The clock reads 5h01m00s
